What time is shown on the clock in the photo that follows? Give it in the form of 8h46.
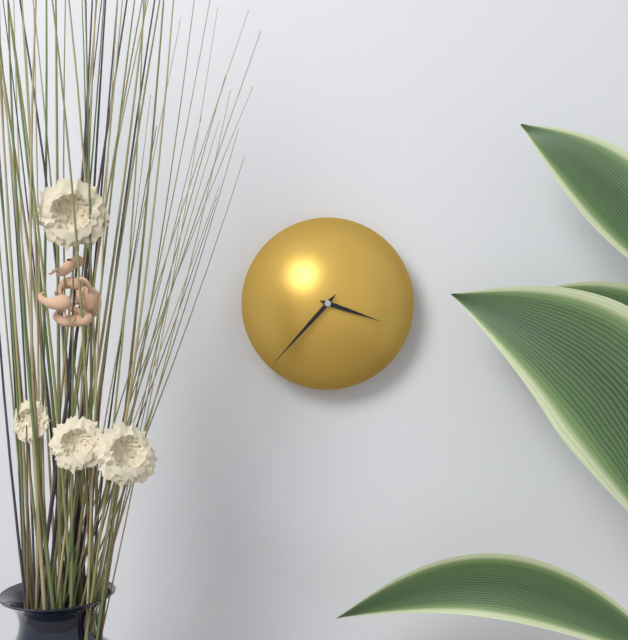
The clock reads 3h37
